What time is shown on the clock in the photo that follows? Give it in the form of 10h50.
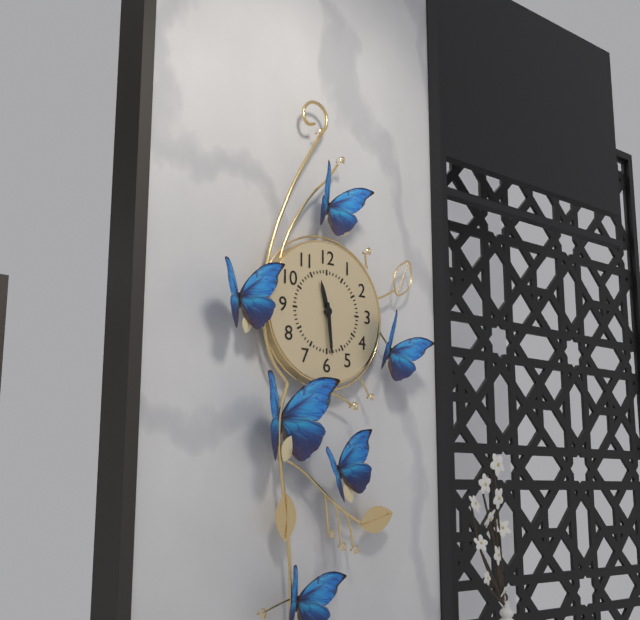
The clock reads 11h29
